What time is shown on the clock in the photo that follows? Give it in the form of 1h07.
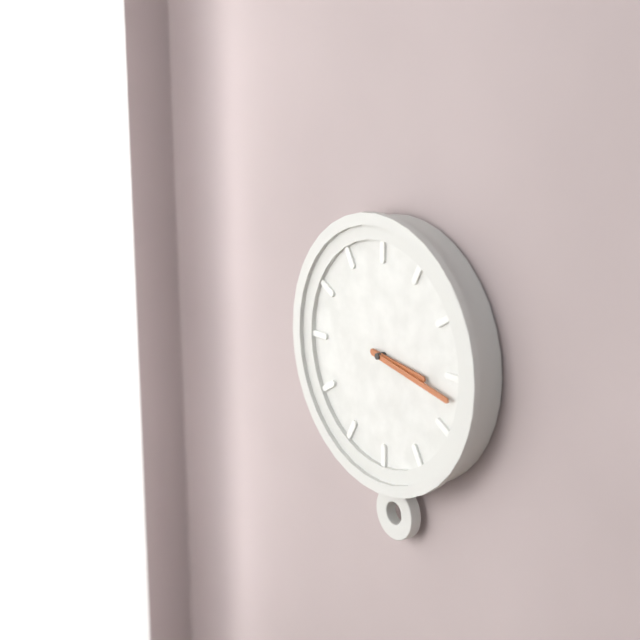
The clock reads 3h17
